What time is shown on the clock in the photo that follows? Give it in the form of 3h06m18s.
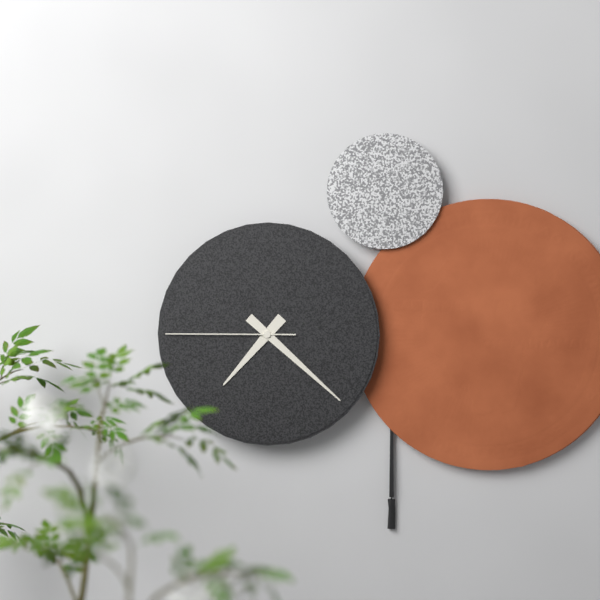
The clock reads 7h22m45s
